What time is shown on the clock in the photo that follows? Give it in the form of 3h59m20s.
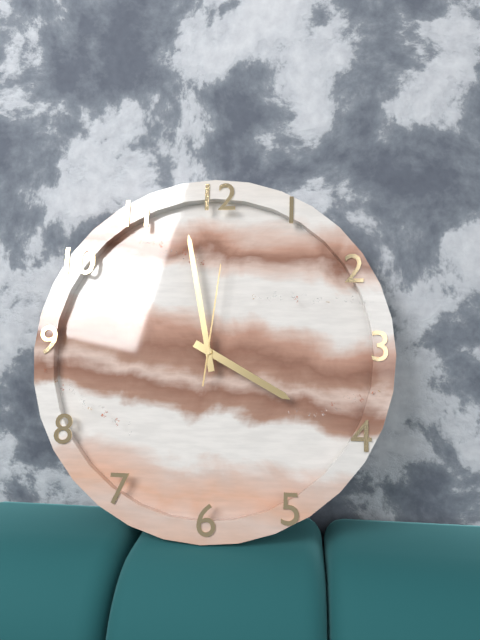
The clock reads 3h58m01s
